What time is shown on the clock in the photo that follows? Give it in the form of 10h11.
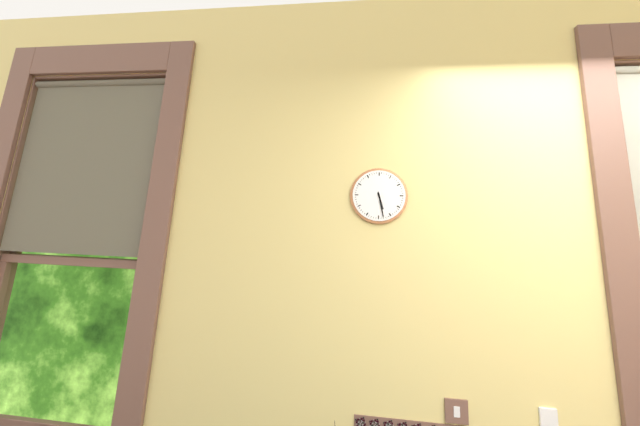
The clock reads 5h28
